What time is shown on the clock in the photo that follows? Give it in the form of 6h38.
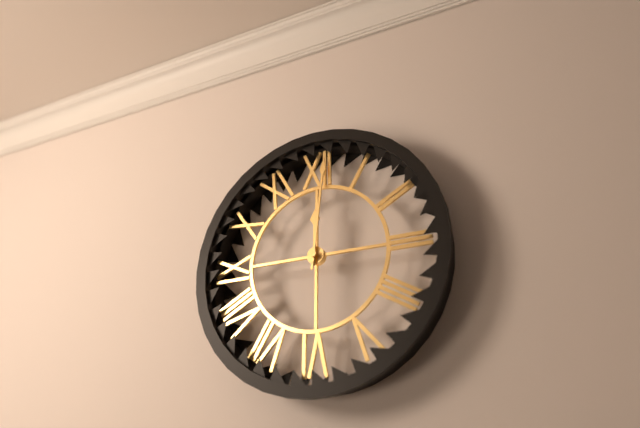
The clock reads 12h01
